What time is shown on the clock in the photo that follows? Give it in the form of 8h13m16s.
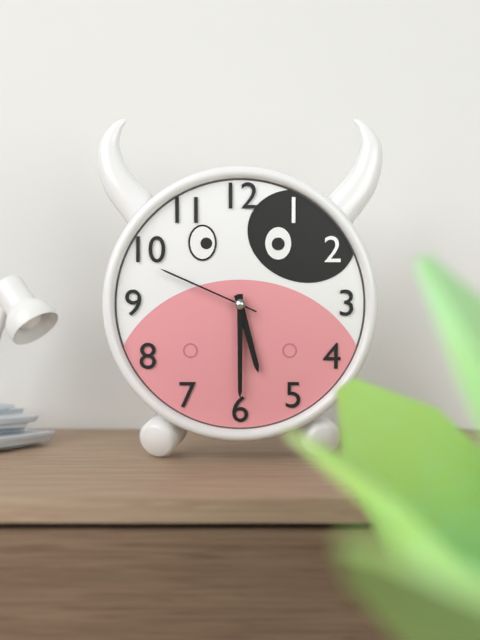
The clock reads 5h30m49s
